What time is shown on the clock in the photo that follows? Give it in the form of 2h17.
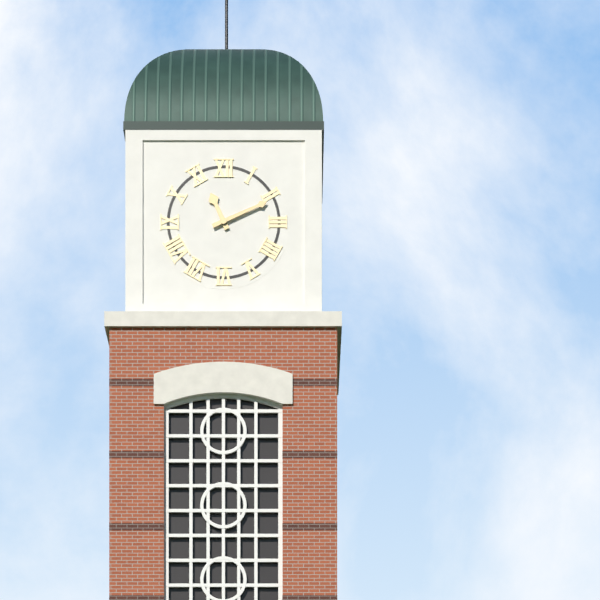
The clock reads 11h11
